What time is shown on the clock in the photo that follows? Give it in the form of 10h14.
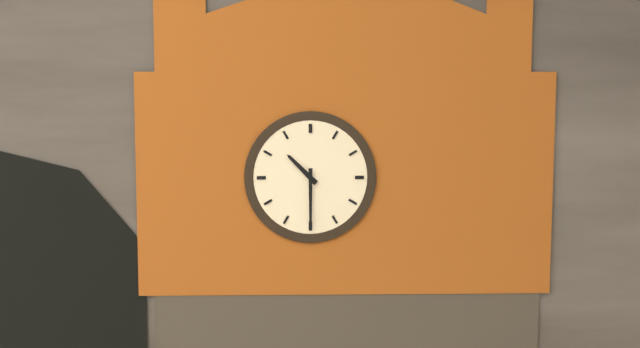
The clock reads 10h30
